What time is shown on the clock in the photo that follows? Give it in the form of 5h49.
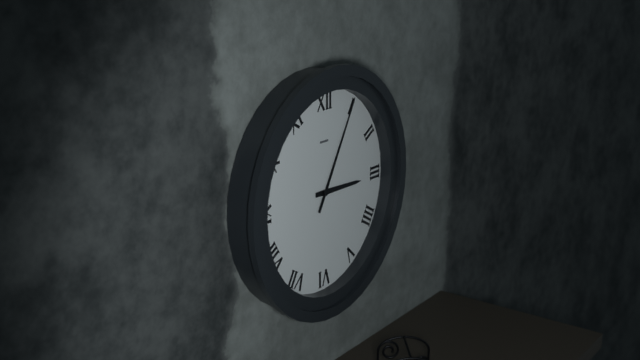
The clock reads 3h05
